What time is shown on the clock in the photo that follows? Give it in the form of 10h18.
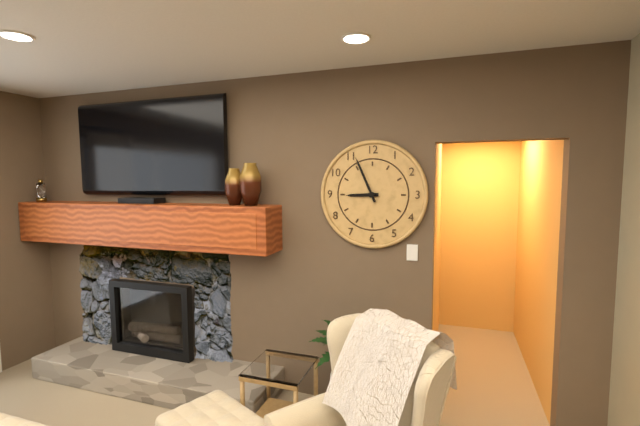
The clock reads 8h56
